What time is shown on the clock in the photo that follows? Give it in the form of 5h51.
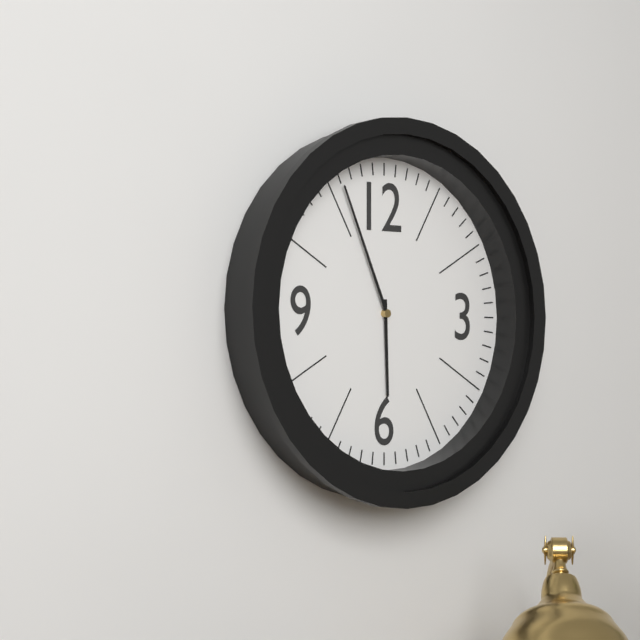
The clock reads 5h56
